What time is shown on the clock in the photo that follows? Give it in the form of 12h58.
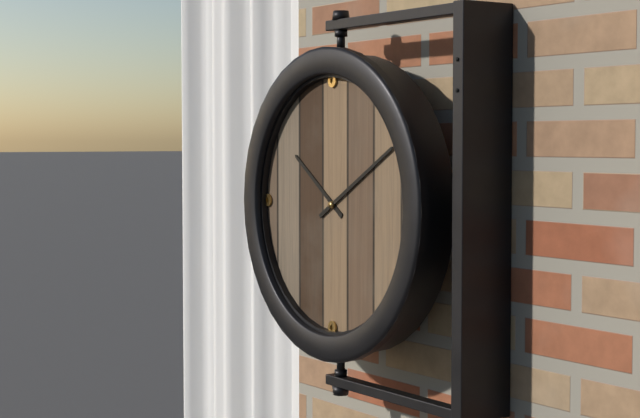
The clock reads 10h10
